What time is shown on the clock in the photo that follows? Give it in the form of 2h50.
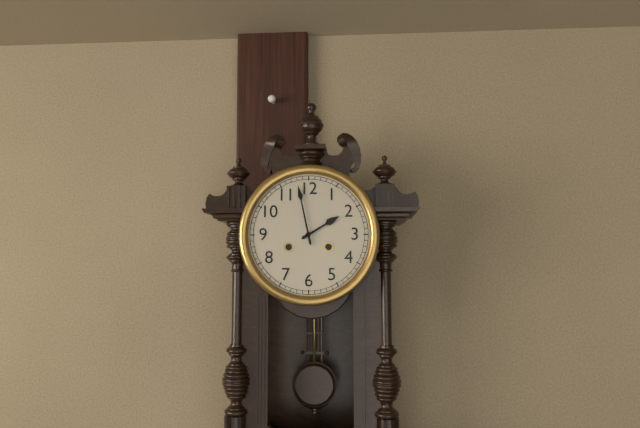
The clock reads 1h58
